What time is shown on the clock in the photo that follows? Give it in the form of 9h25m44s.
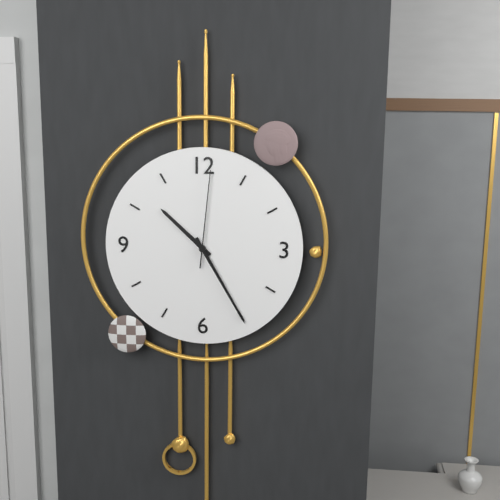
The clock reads 10h25m01s
